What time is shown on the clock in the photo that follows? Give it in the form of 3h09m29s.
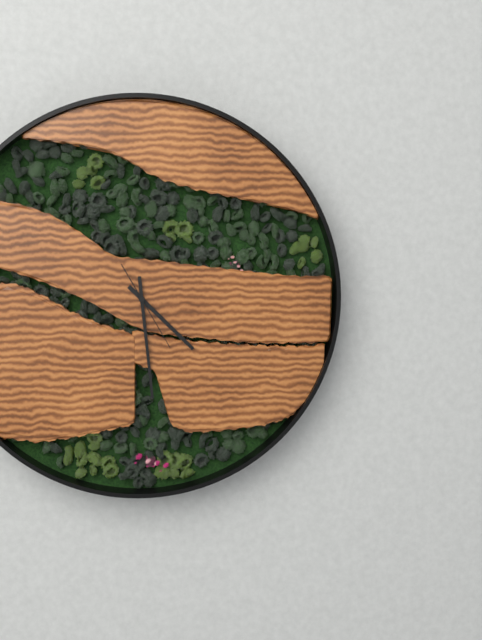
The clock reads 4h29m25s
